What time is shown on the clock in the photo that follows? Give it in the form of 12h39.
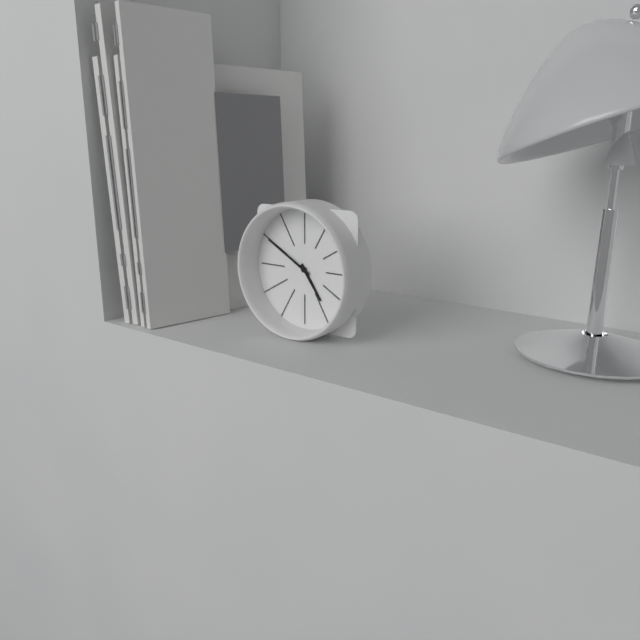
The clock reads 4h50
